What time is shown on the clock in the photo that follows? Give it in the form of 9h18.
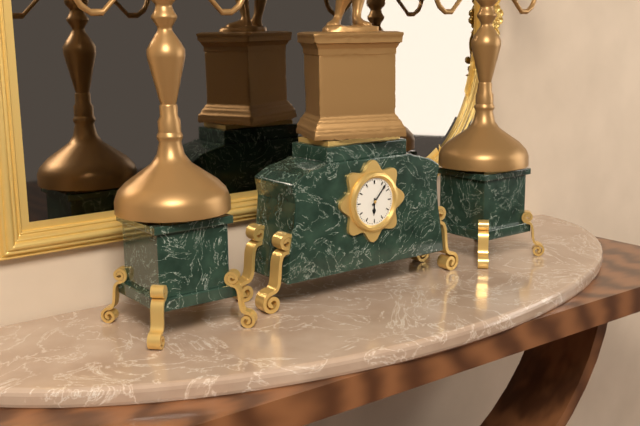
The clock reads 6h07
